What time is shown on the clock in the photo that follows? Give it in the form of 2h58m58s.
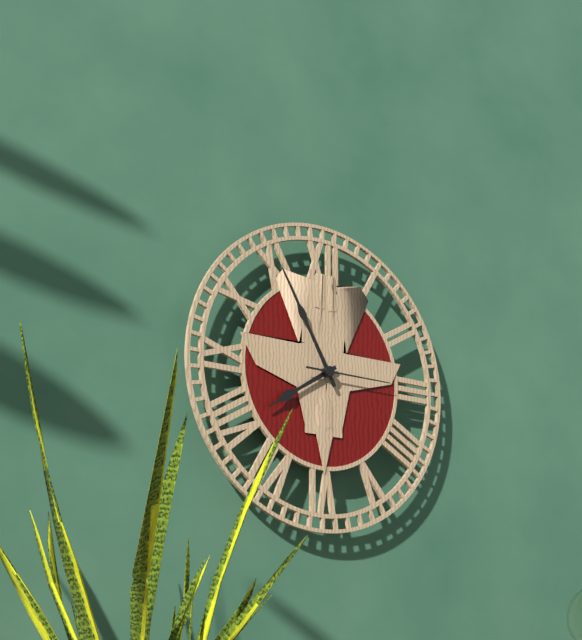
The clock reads 7h55m15s
